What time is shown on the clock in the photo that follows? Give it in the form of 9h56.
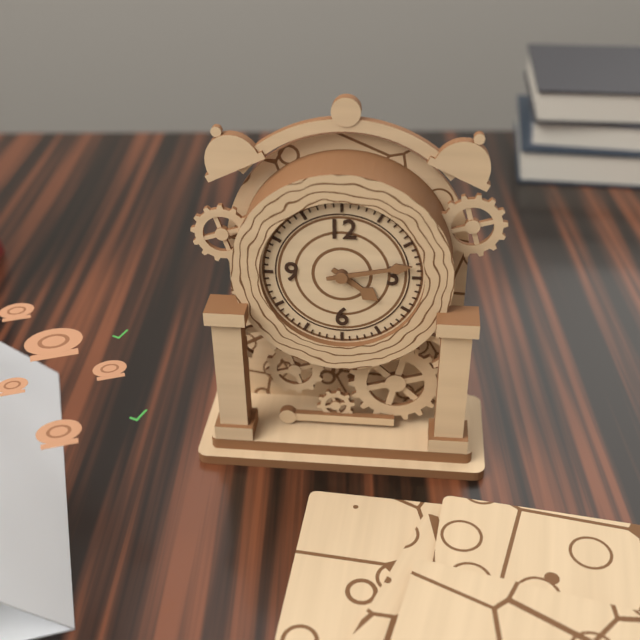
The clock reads 4h13
